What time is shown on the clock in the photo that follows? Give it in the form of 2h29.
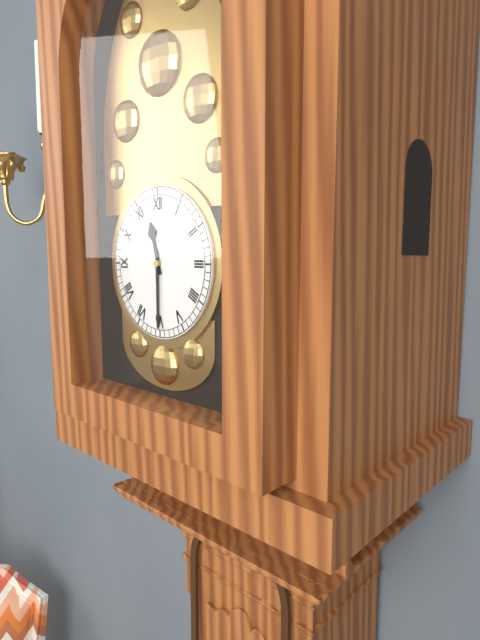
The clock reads 11h30
